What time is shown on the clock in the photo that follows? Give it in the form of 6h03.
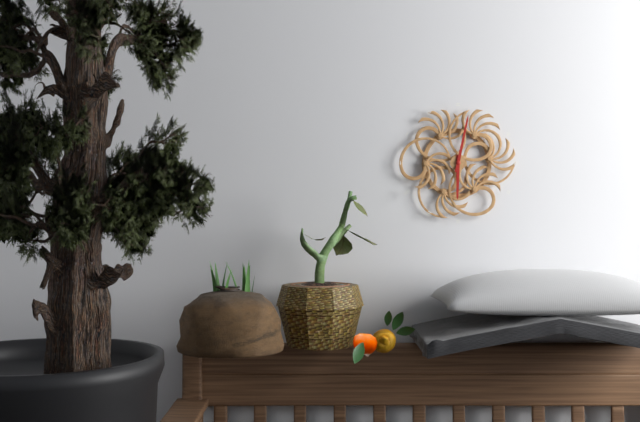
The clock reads 6h02
